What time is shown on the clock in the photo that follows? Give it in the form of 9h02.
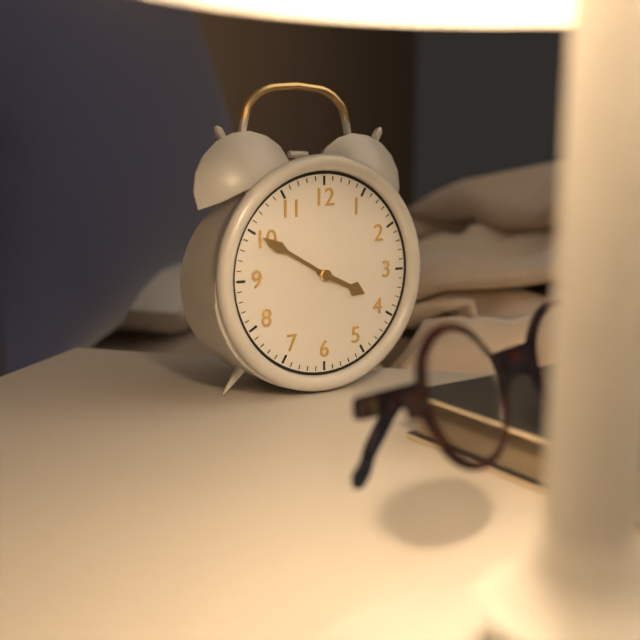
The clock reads 3h50
